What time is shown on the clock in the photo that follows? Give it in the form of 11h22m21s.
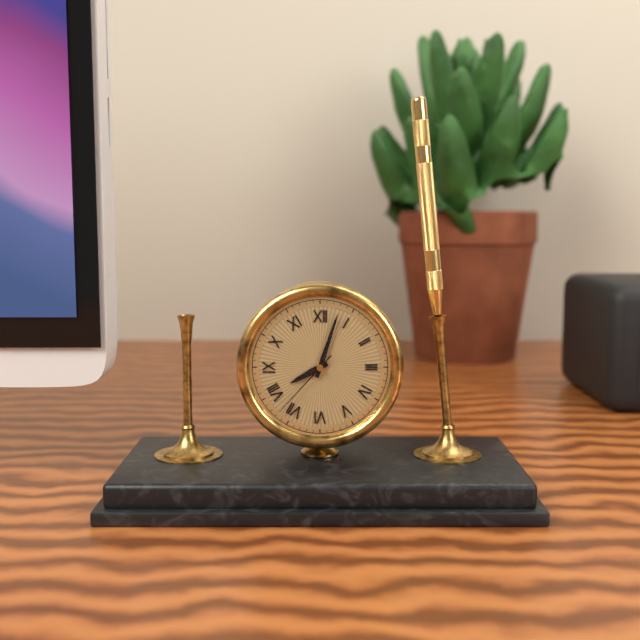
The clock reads 8h03m37s
